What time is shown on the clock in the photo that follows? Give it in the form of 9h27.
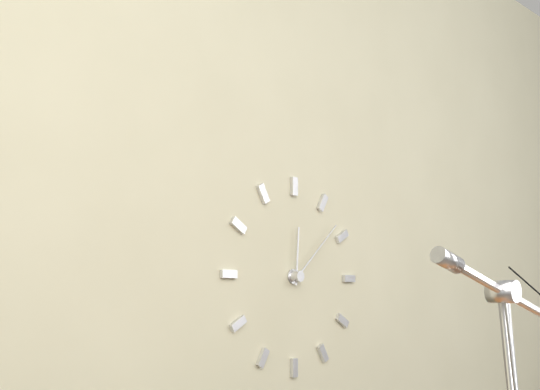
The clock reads 12h08
